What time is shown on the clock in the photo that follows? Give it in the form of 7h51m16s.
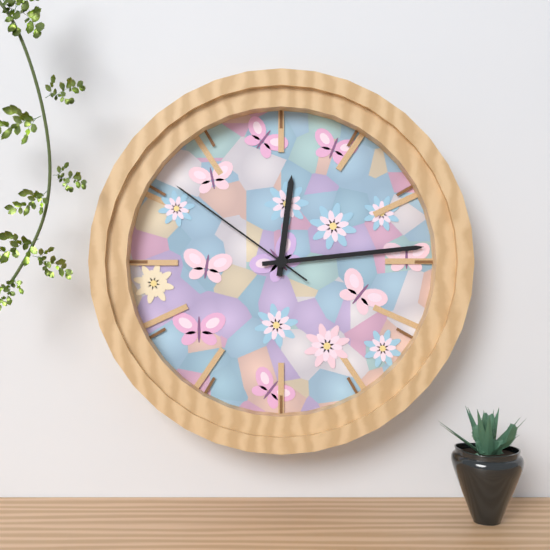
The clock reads 12h14m51s
